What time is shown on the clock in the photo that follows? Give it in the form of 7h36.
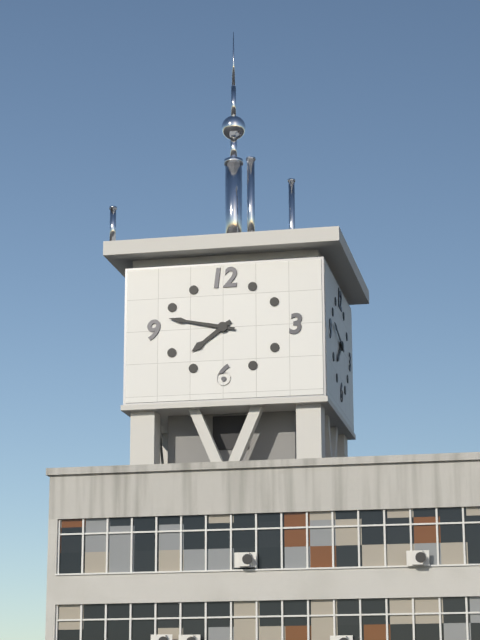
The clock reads 7h47
